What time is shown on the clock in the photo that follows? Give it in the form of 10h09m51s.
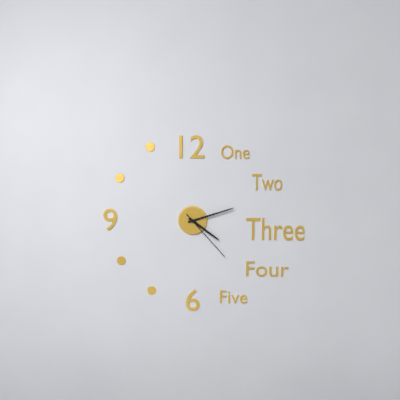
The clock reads 4h12m23s
